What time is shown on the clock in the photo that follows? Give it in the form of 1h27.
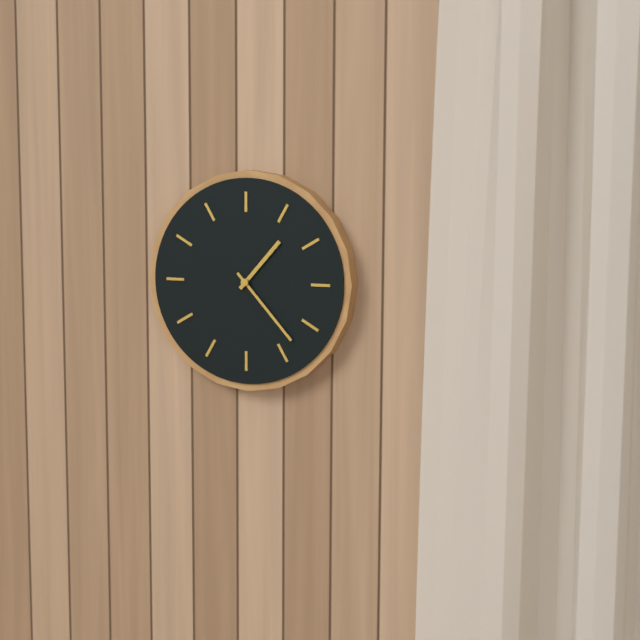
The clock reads 1h23
